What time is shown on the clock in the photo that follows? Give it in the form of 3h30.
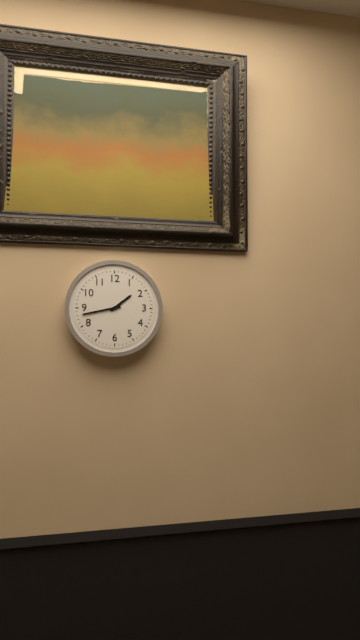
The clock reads 1h43
